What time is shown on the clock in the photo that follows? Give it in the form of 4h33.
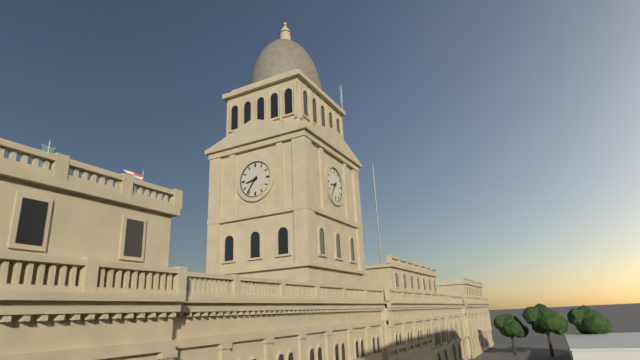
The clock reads 8h36
